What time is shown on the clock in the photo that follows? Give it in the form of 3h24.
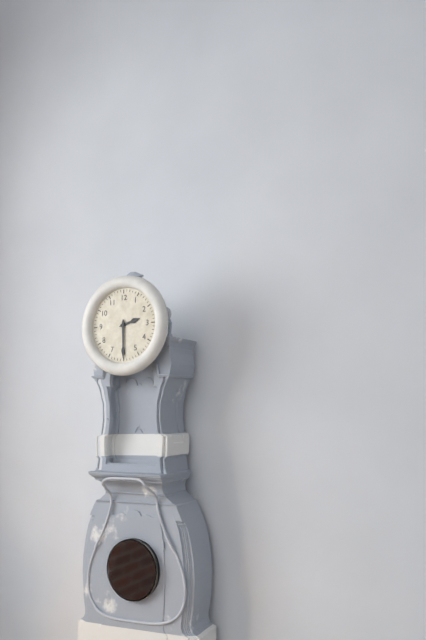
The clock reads 2h30
